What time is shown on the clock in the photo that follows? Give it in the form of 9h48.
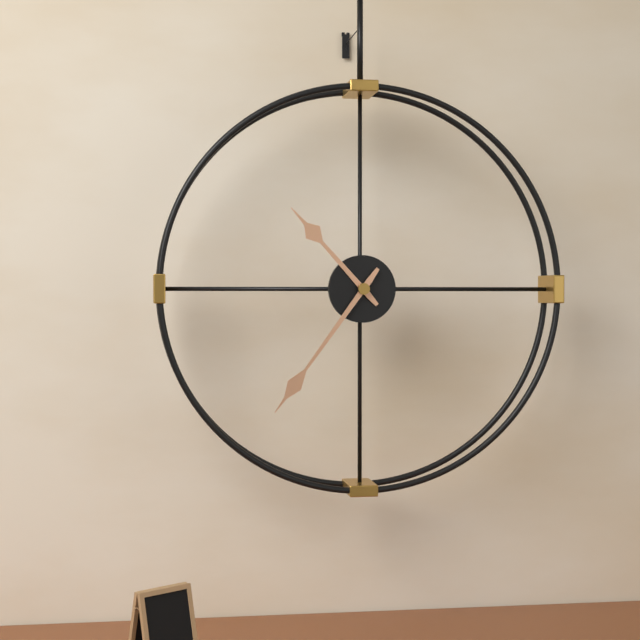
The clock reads 10h36
